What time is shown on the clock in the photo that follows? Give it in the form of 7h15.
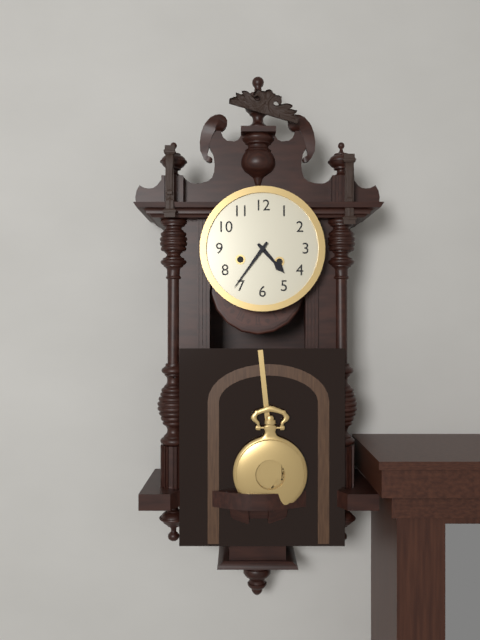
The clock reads 4h36
